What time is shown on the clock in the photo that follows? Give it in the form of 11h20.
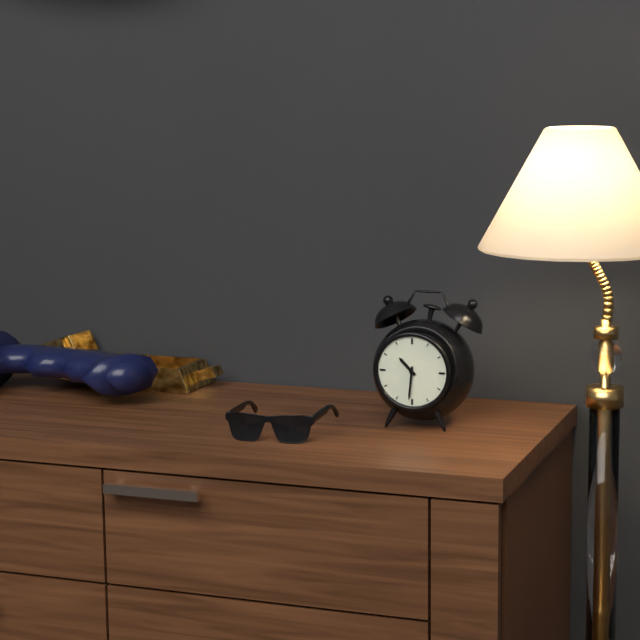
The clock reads 10h31
